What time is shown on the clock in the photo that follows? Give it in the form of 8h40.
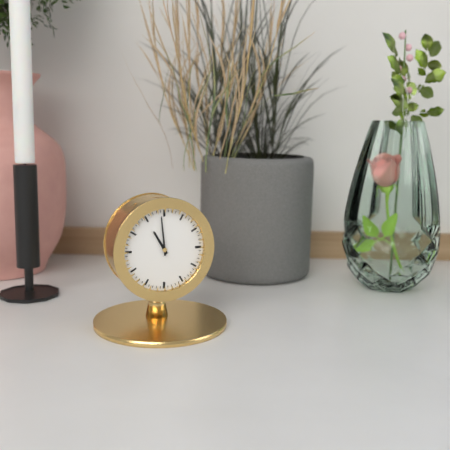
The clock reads 10h59
